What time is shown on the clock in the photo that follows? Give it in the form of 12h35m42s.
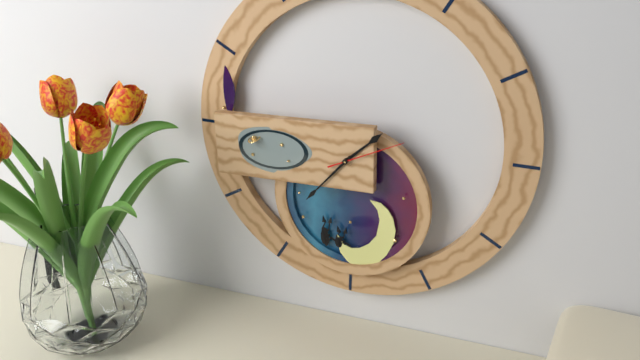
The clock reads 1h37m11s
